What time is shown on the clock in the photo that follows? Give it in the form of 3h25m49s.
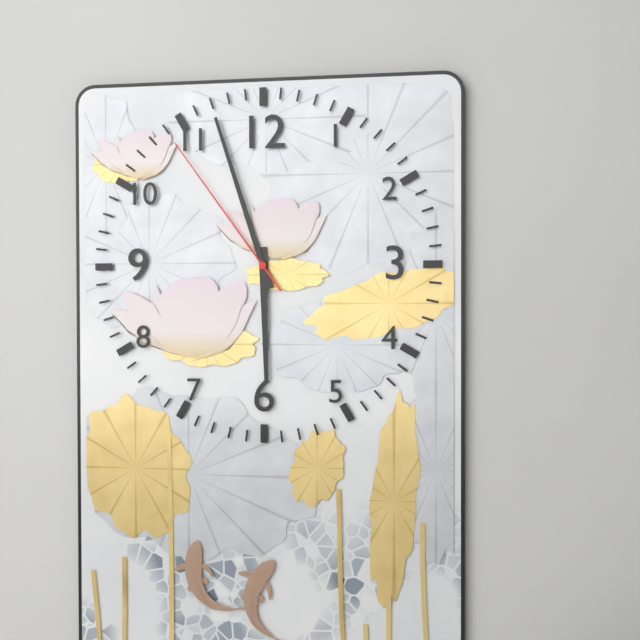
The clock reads 5h57m54s
